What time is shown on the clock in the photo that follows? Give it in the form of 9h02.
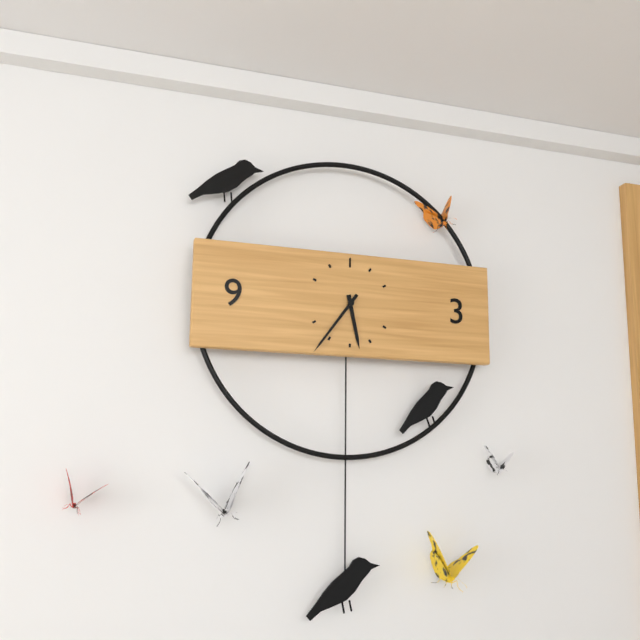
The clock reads 5h36
